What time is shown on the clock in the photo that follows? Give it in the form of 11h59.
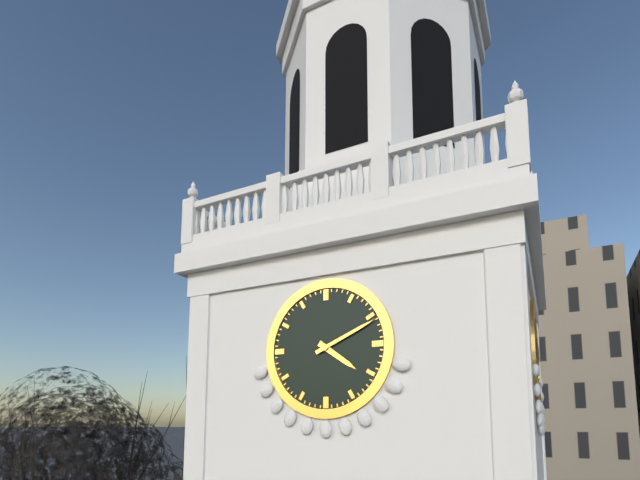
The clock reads 4h11
